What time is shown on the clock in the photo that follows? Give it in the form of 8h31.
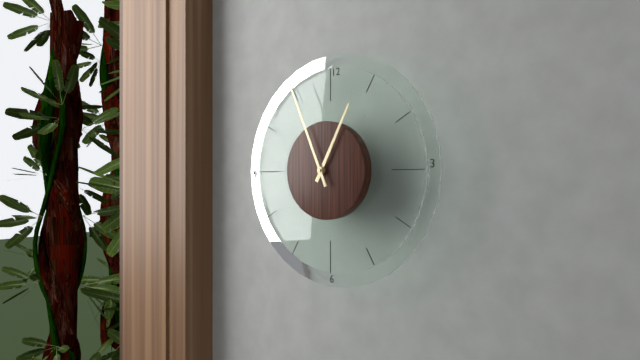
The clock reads 12h56
